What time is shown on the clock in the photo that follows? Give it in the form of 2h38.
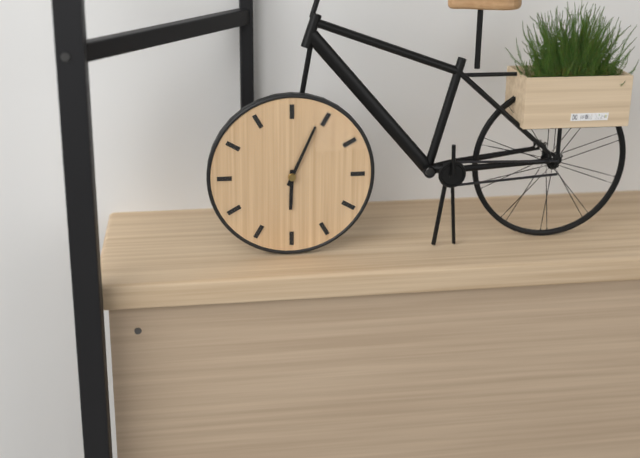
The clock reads 6h04
